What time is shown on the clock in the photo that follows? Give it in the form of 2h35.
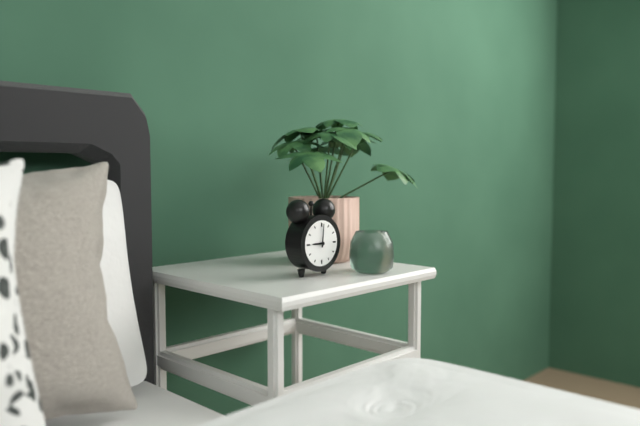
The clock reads 9h01
